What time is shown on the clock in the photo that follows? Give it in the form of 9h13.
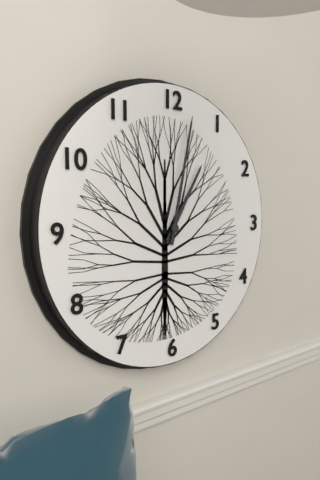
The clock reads 1h02
